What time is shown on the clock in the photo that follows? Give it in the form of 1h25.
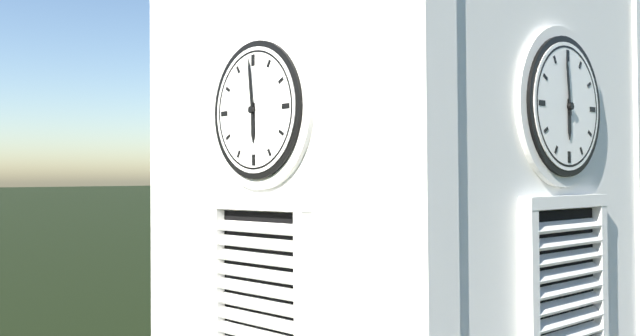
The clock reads 5h59
